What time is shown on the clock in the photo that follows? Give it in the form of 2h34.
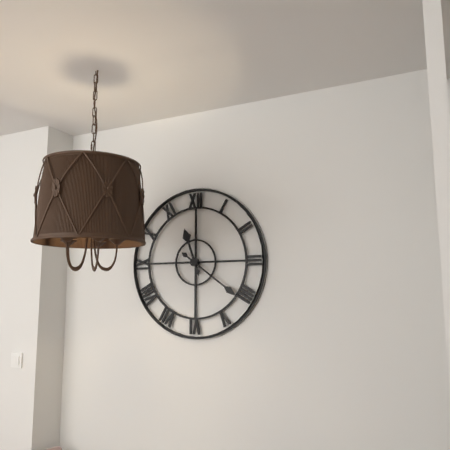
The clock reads 11h21
